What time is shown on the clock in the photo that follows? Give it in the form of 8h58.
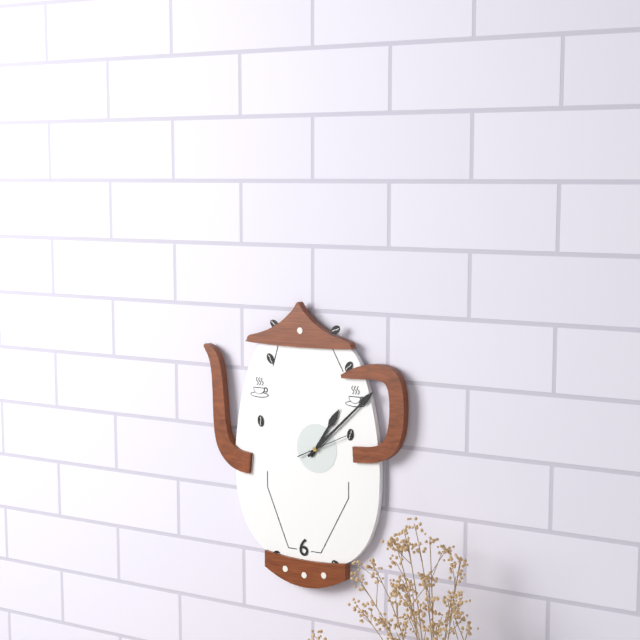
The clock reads 1h08
